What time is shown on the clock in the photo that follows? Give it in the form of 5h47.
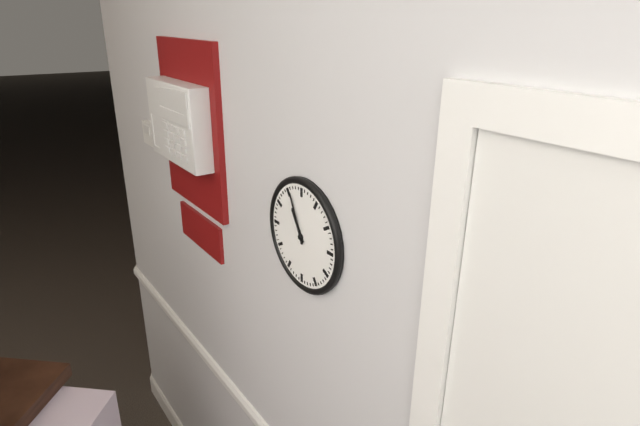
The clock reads 10h56
